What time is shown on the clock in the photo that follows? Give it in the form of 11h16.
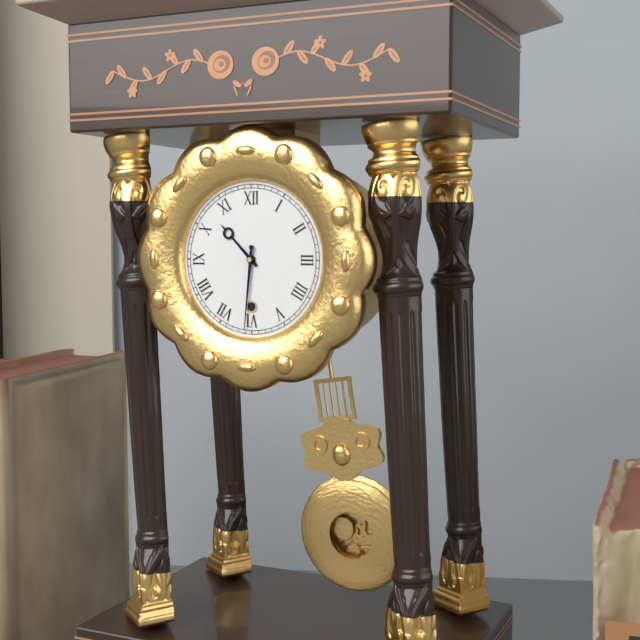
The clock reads 10h31
